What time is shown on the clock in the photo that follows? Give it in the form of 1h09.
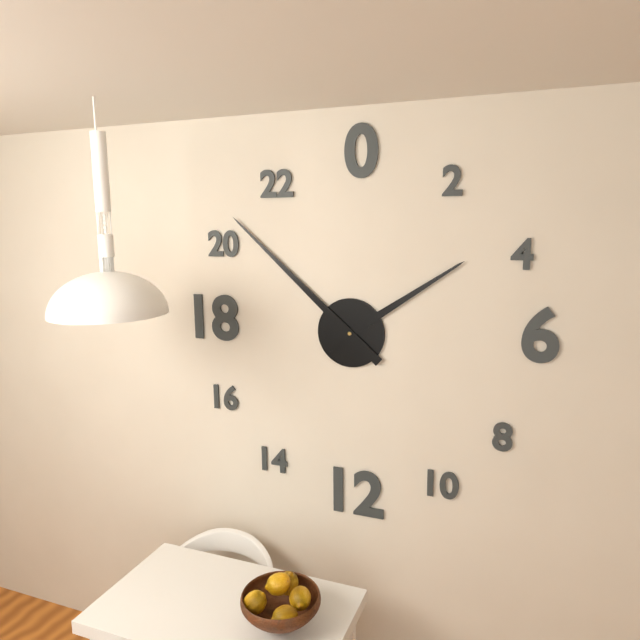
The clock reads 1h52
